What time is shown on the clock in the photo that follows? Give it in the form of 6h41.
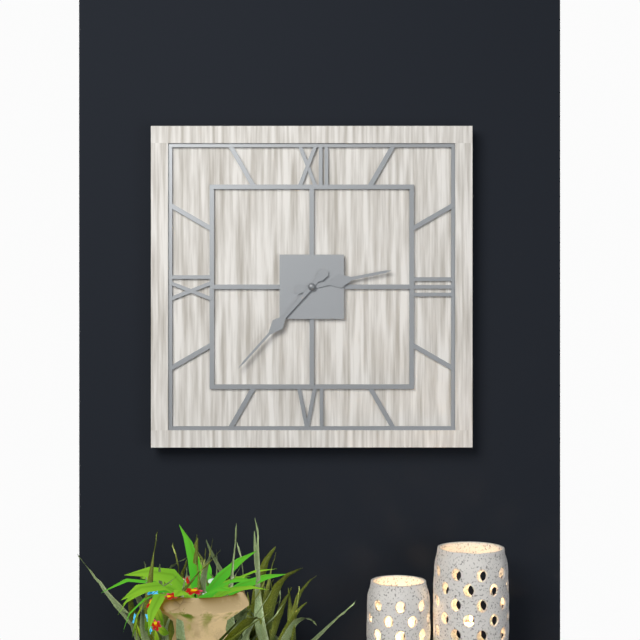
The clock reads 2h37
